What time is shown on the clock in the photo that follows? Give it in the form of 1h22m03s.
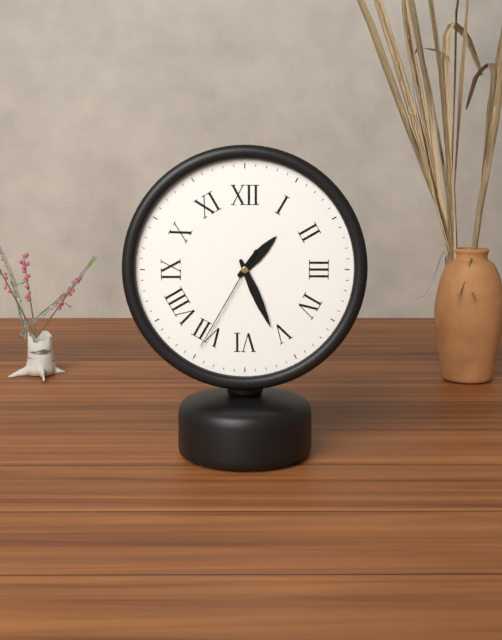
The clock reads 1h26m35s
